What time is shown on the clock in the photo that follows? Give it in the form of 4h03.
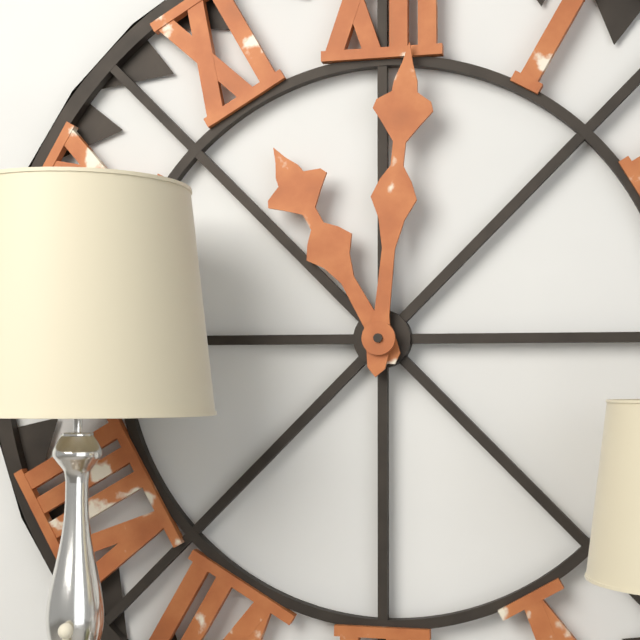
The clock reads 11h01
